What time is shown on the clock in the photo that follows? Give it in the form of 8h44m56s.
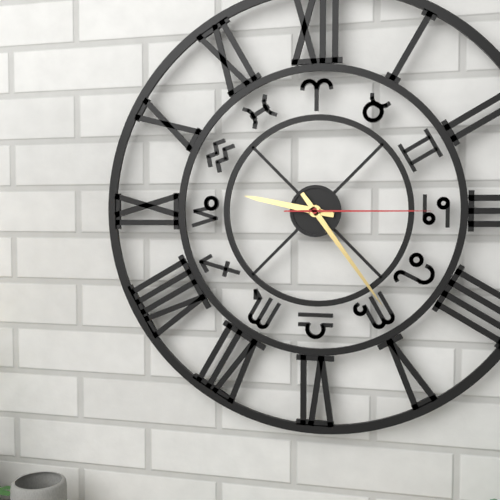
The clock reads 9h24m15s
